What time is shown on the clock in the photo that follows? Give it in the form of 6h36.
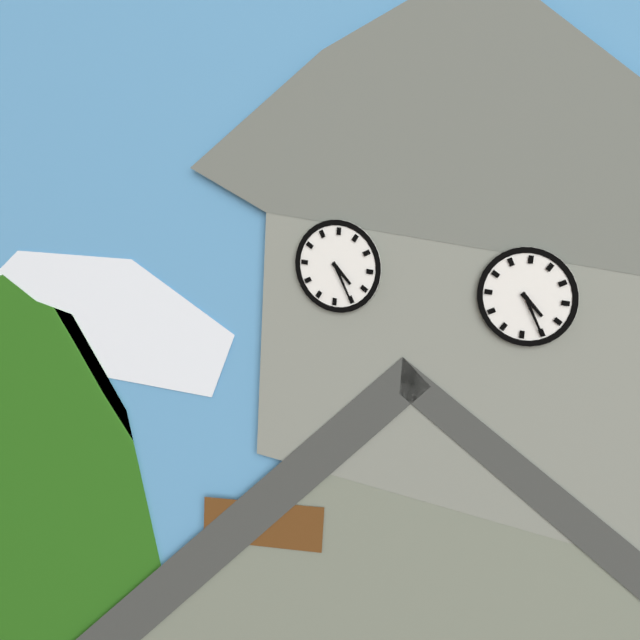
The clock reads 4h25
